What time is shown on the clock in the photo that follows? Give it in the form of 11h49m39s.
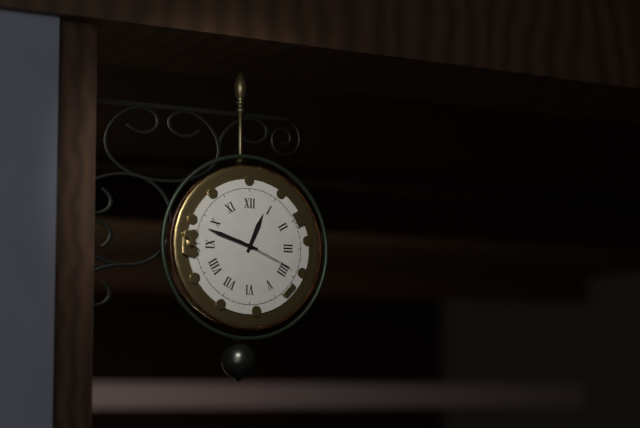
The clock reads 12h48m19s
